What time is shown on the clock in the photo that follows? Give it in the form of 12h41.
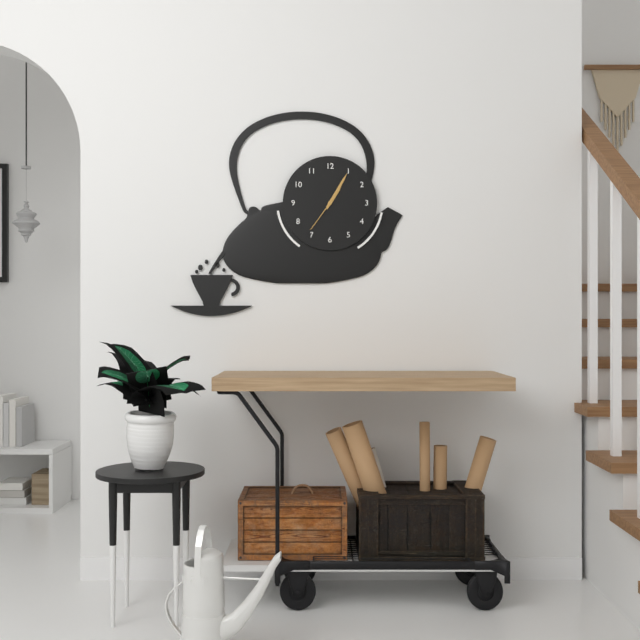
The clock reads 1h05
